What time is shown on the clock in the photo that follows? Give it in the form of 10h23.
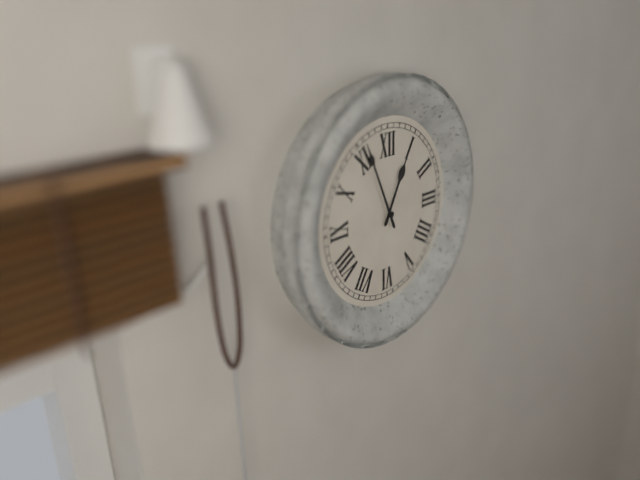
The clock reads 12h56
